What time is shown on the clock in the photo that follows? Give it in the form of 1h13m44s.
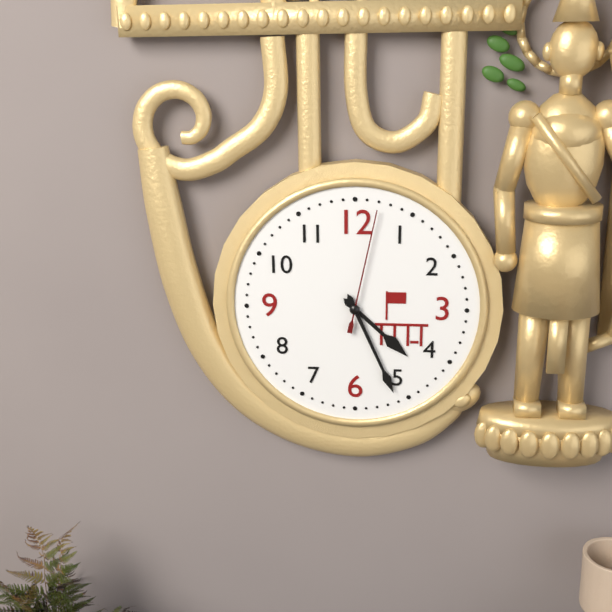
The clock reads 4h26m02s
